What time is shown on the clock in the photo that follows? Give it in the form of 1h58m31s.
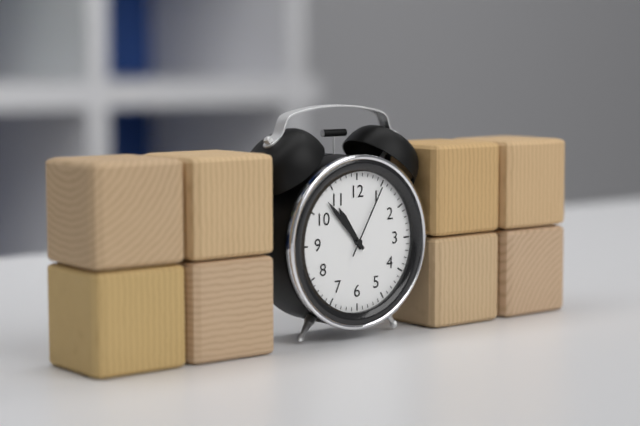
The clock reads 10h53m05s
